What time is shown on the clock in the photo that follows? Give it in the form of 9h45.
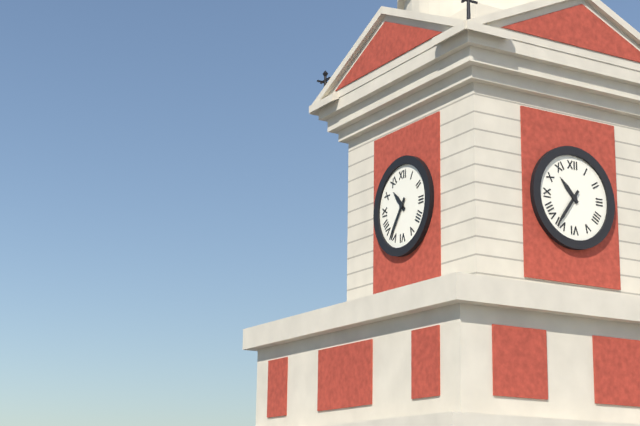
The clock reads 10h36
